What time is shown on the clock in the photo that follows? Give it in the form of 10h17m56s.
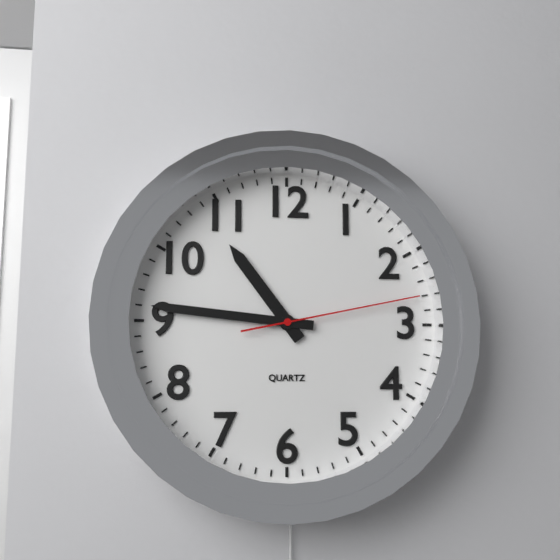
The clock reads 10h46m13s
